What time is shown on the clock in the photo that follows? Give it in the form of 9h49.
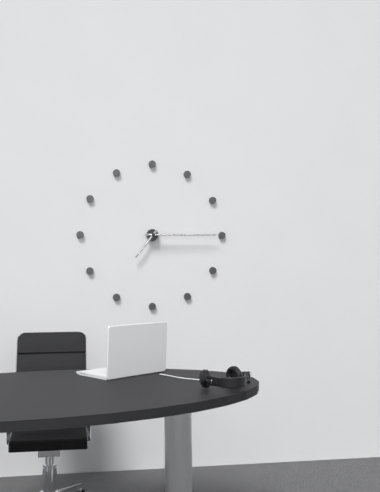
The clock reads 7h15
